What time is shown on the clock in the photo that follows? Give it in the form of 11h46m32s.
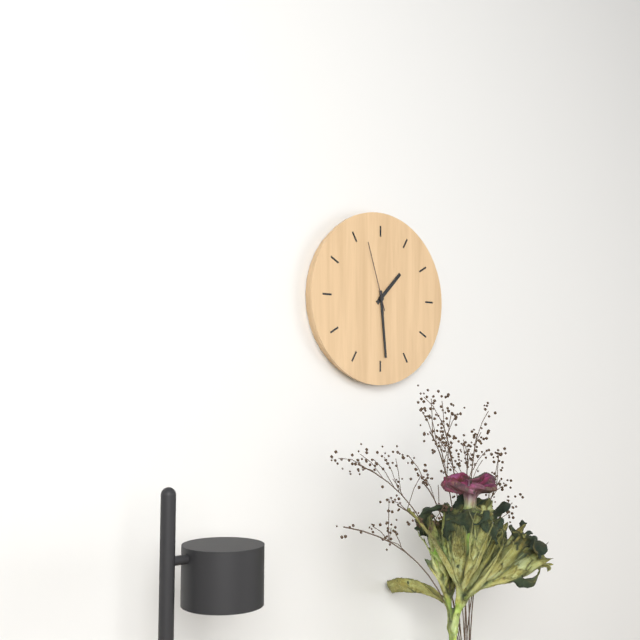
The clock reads 1h29m57s
